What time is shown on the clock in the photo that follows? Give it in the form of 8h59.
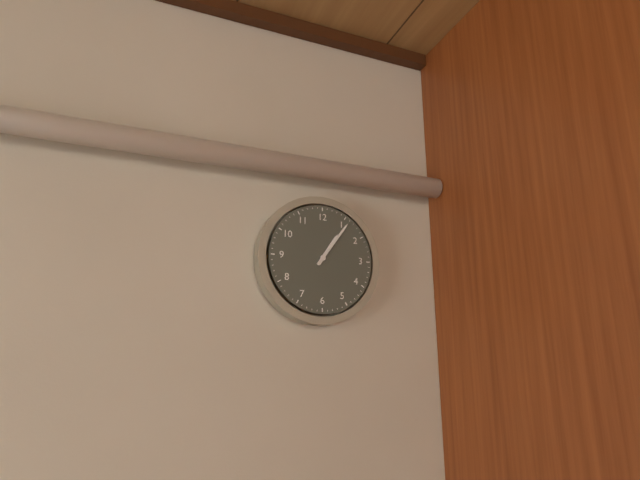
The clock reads 1h06
